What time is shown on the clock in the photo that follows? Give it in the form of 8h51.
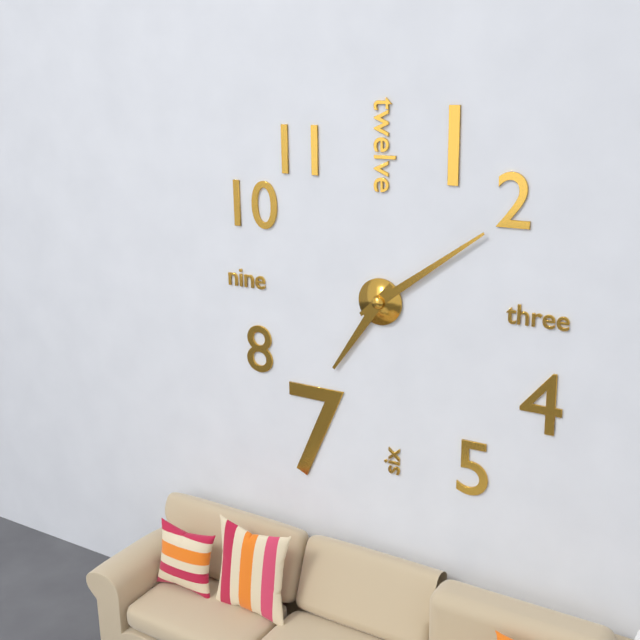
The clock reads 7h09
